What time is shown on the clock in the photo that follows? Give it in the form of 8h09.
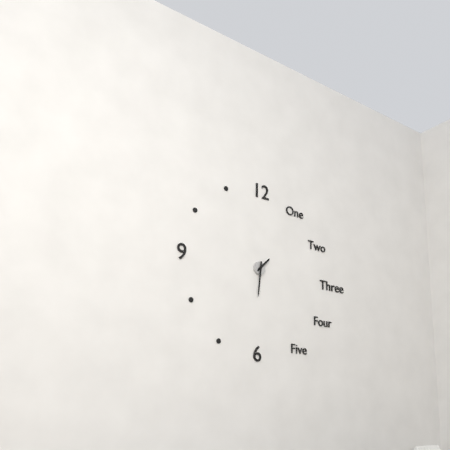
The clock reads 1h31
